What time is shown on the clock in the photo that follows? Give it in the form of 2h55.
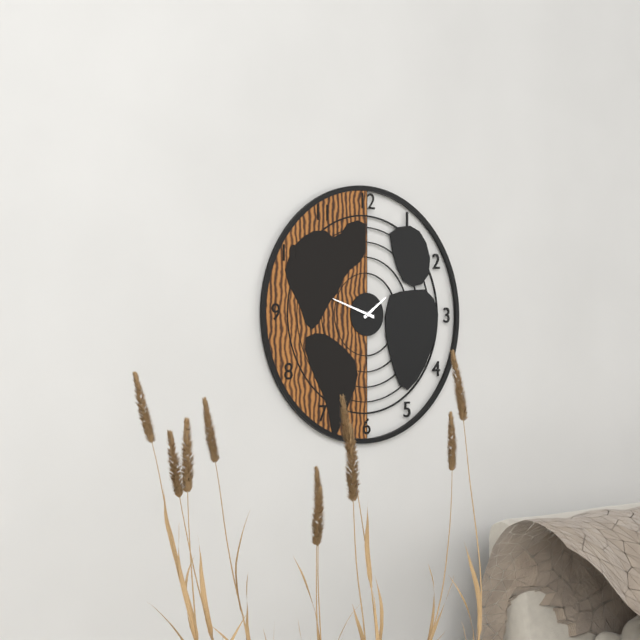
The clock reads 1h48
